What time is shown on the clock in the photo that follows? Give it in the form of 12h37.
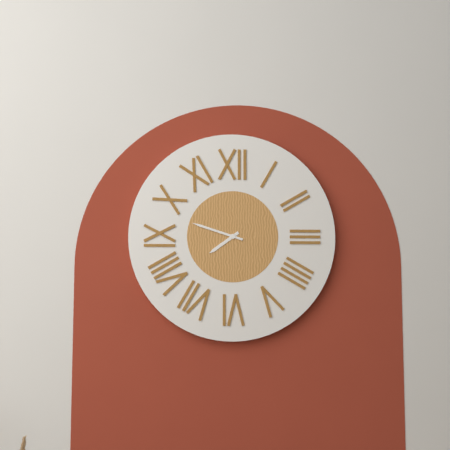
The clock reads 7h48
